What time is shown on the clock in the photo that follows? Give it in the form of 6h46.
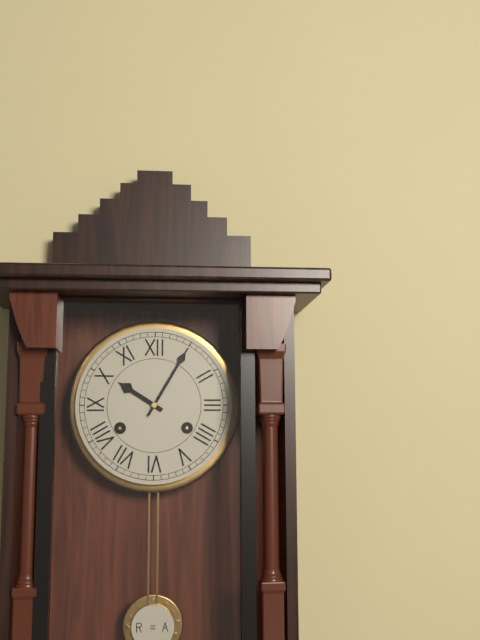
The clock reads 10h05
